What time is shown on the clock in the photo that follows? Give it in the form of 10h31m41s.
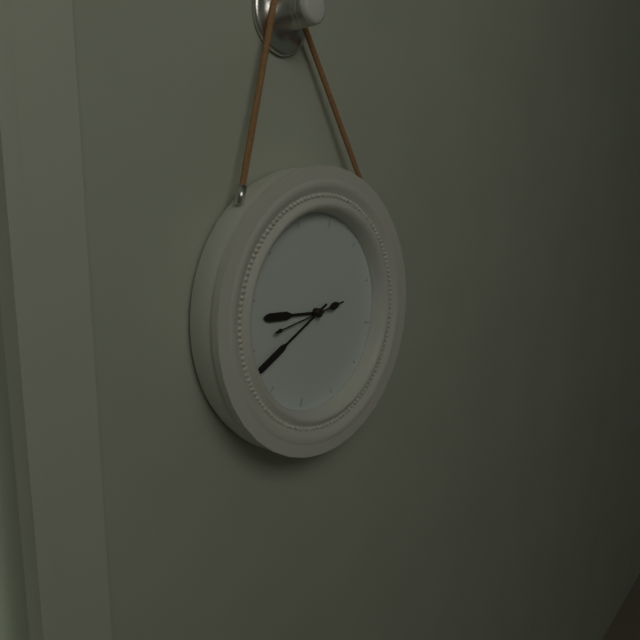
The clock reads 8h38m41s
